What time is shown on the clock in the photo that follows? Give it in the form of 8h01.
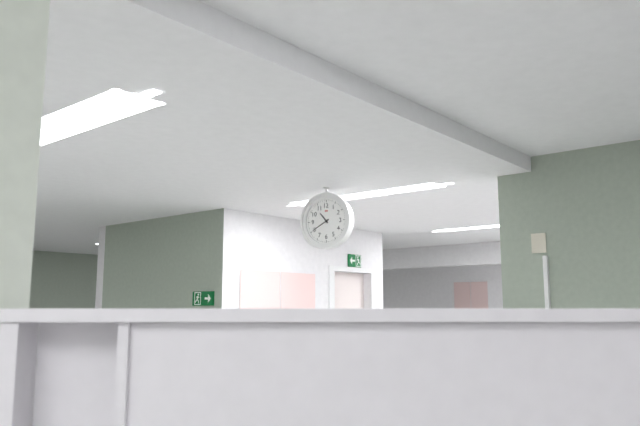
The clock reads 10h40
